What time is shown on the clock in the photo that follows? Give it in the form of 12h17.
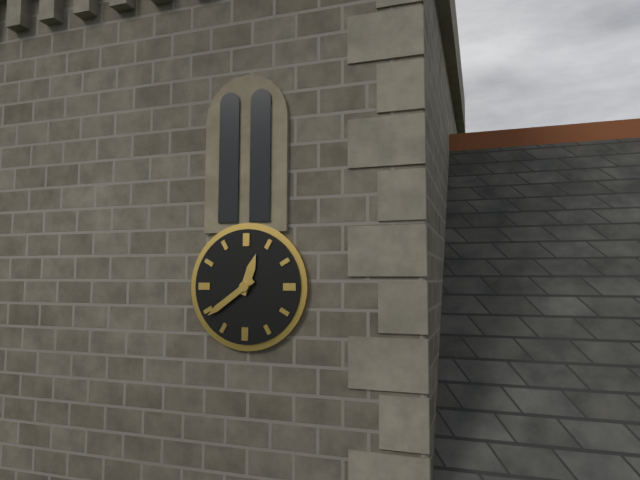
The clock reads 12h39
